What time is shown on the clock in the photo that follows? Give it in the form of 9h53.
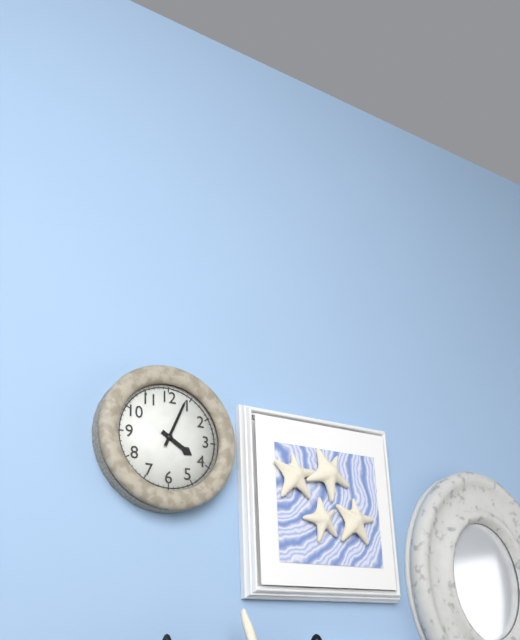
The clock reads 4h04
